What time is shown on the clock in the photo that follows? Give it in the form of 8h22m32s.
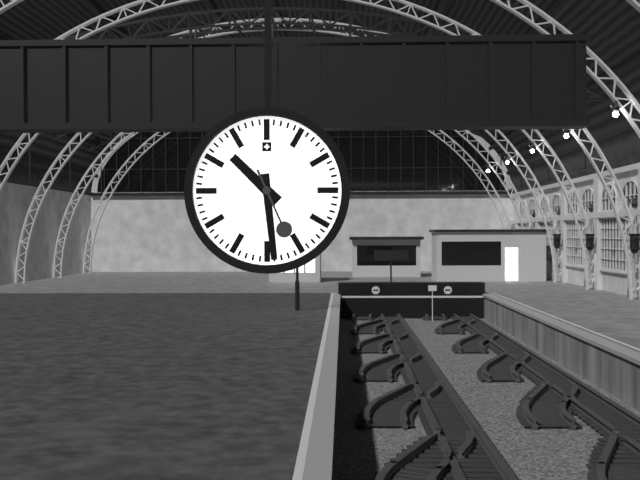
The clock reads 10h29m26s
